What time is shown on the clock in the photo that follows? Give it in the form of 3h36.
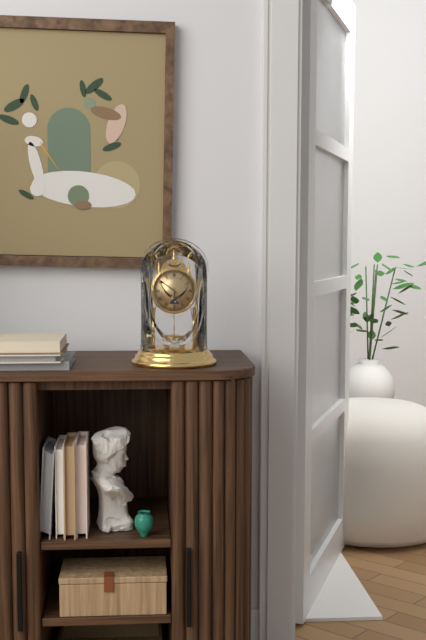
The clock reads 5h51
